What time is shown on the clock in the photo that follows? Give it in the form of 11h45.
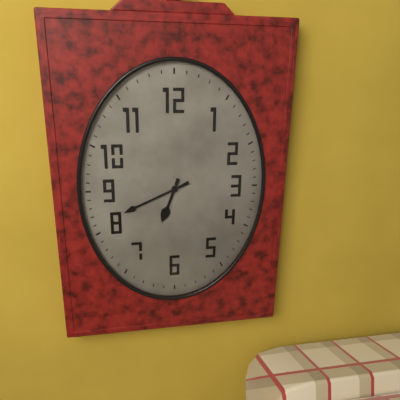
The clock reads 6h41
